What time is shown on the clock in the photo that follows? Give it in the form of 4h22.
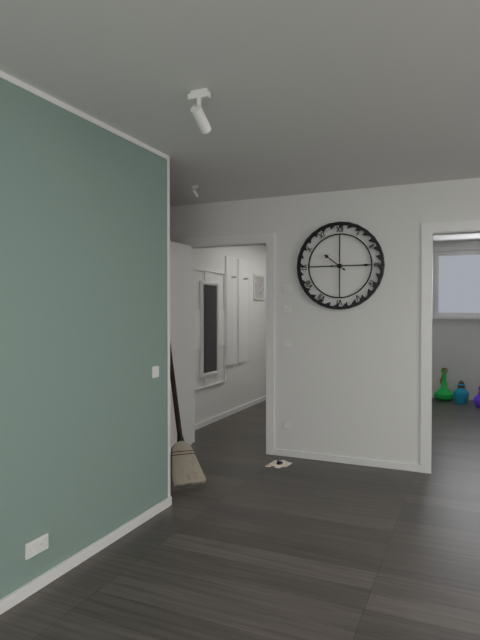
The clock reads 10h15
